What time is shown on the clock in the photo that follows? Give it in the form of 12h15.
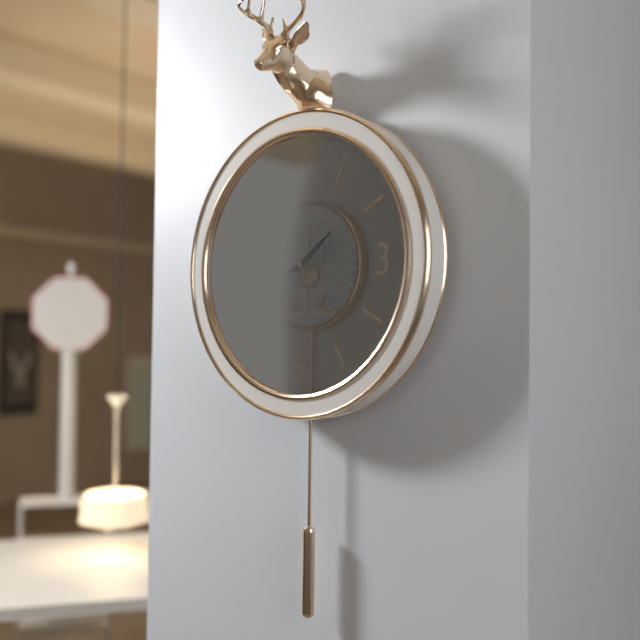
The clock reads 1h41
